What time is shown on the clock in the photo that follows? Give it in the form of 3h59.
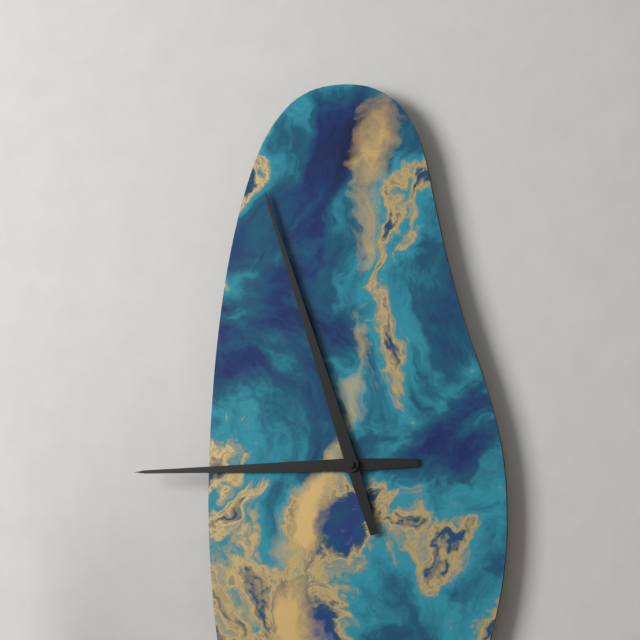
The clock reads 8h57
